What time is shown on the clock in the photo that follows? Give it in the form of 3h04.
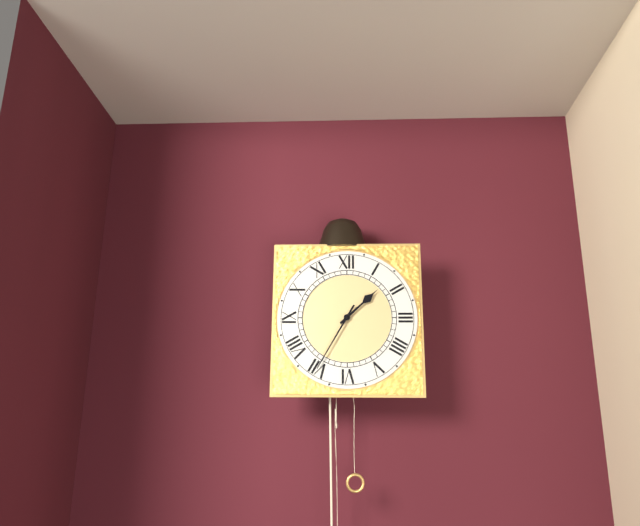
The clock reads 1h35
